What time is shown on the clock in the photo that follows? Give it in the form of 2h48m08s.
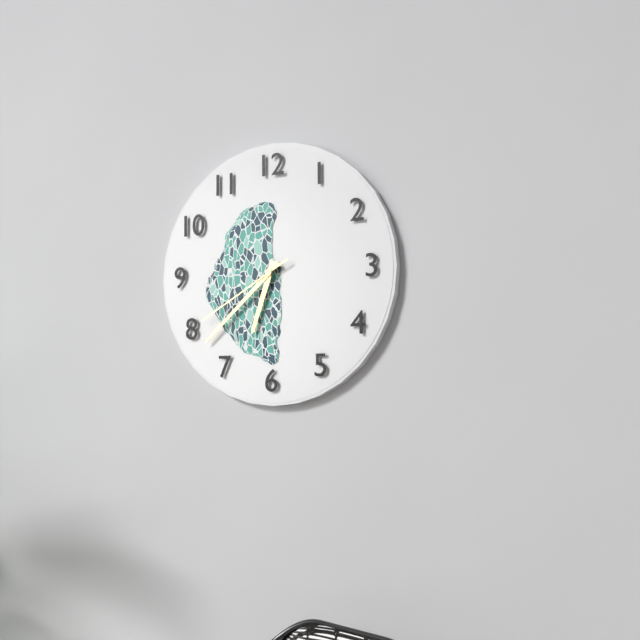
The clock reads 6h38m40s
